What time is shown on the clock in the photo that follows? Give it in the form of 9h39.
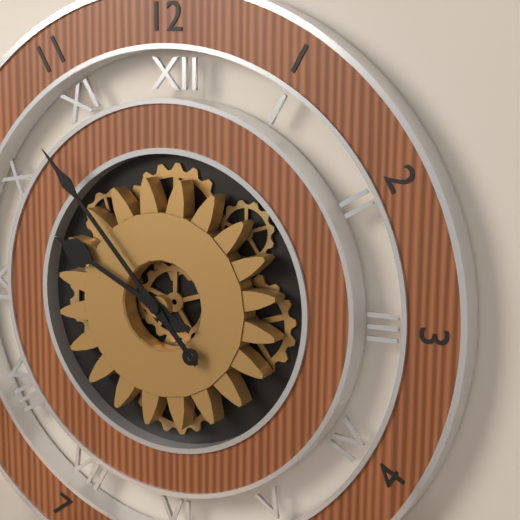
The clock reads 9h53
